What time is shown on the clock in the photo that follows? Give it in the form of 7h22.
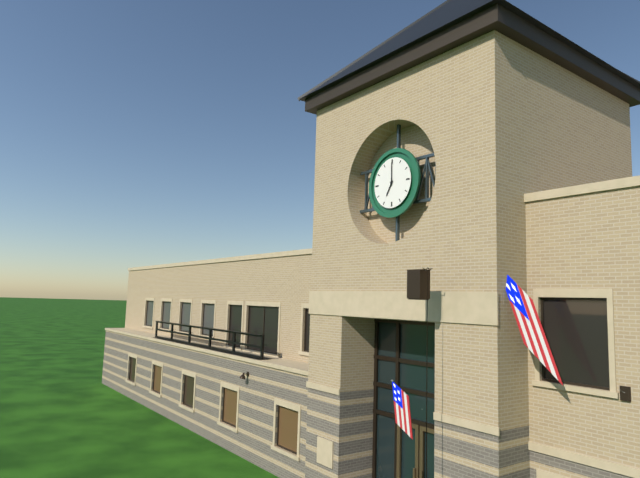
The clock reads 7h00
